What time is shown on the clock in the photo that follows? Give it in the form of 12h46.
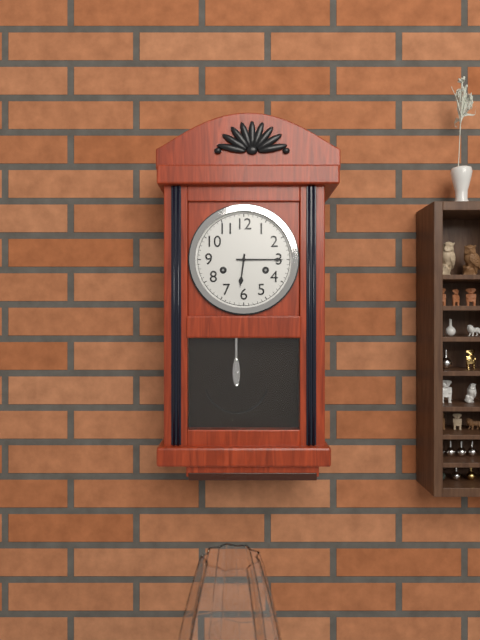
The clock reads 6h15
